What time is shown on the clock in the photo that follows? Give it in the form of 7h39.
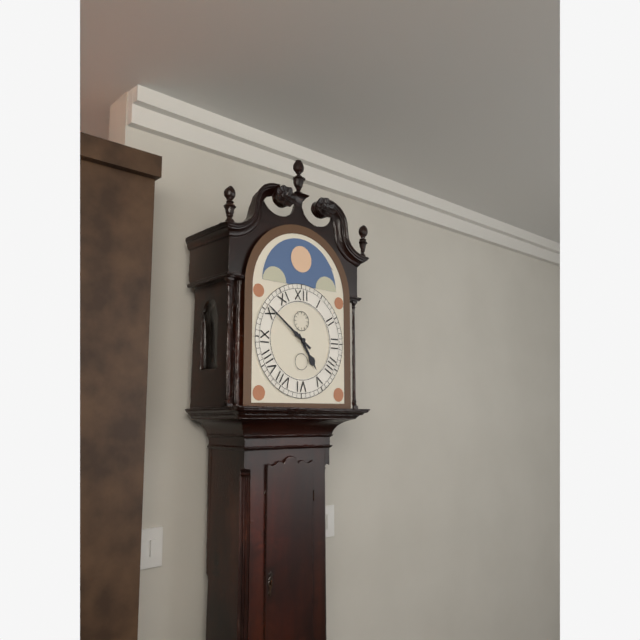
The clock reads 4h51
